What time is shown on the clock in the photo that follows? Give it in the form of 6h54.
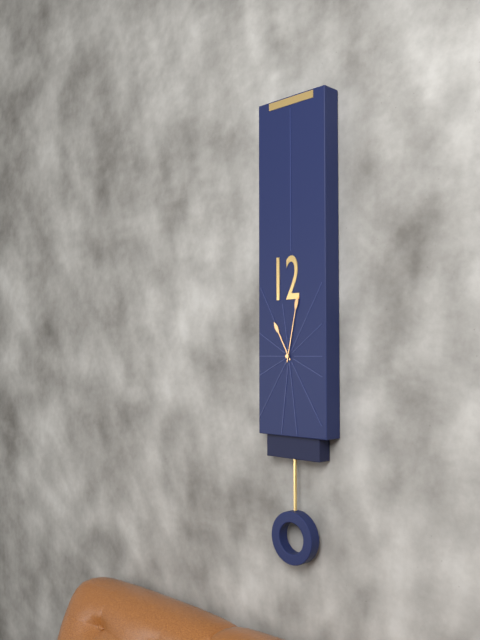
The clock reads 11h02
